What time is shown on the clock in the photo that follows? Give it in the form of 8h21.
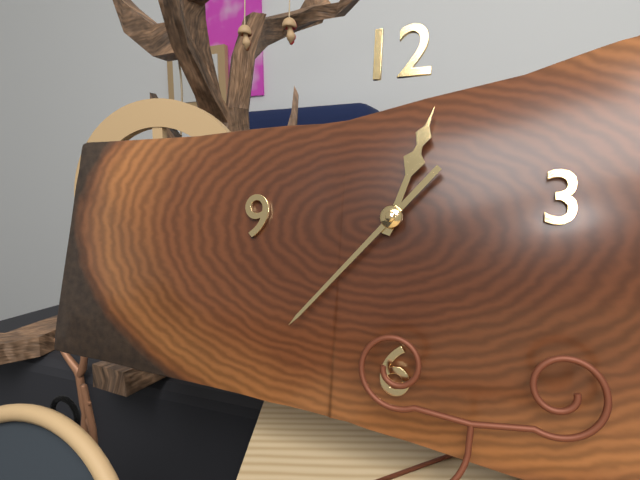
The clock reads 12h37
